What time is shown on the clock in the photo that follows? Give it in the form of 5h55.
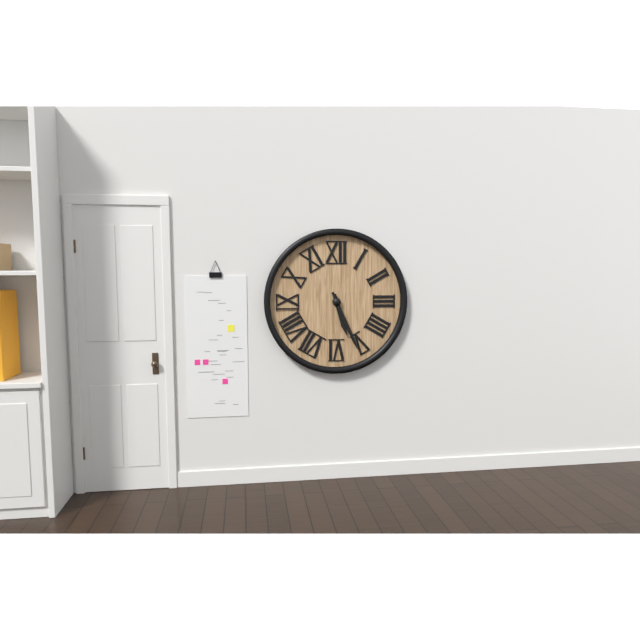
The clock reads 5h26
